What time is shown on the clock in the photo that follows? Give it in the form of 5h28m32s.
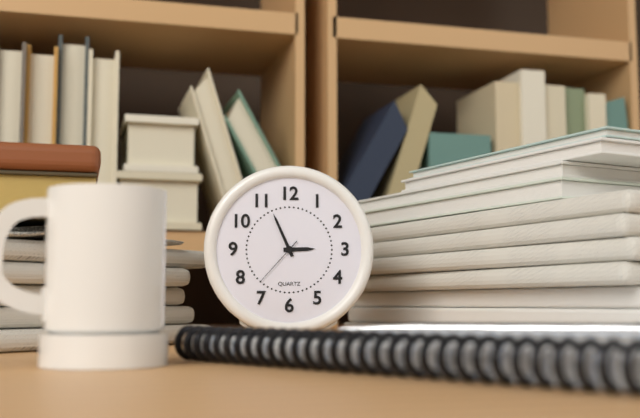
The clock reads 2h56m37s
